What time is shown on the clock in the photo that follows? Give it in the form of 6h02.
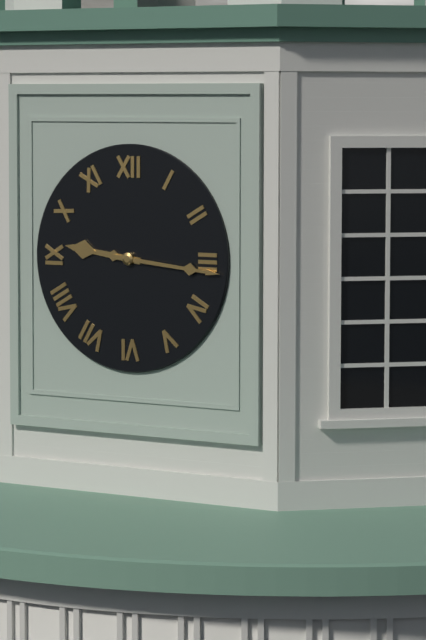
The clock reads 9h16
